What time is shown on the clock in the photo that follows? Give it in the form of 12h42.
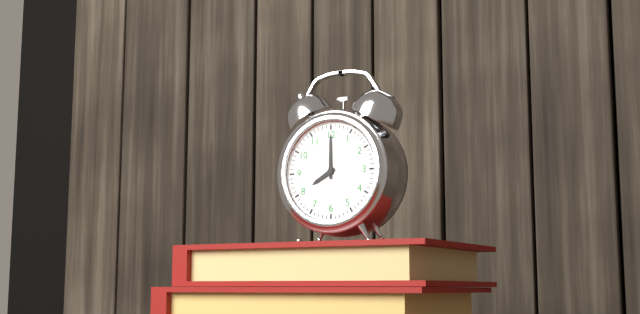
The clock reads 8h00
